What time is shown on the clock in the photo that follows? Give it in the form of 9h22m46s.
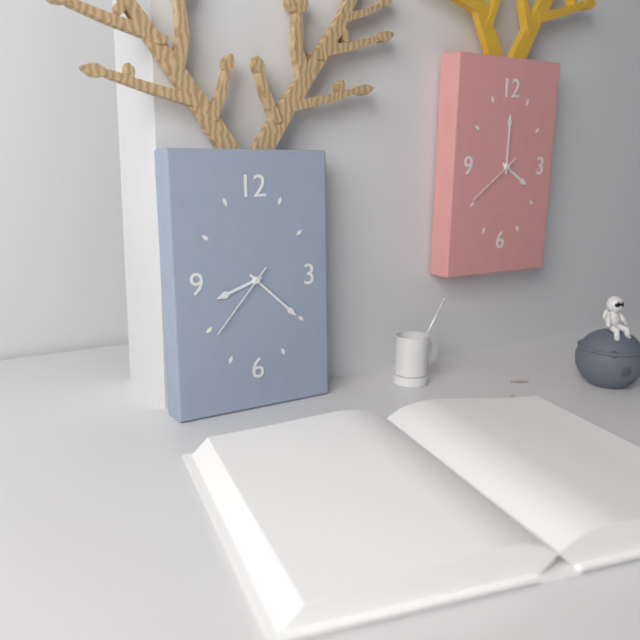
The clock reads 8h22m37s
